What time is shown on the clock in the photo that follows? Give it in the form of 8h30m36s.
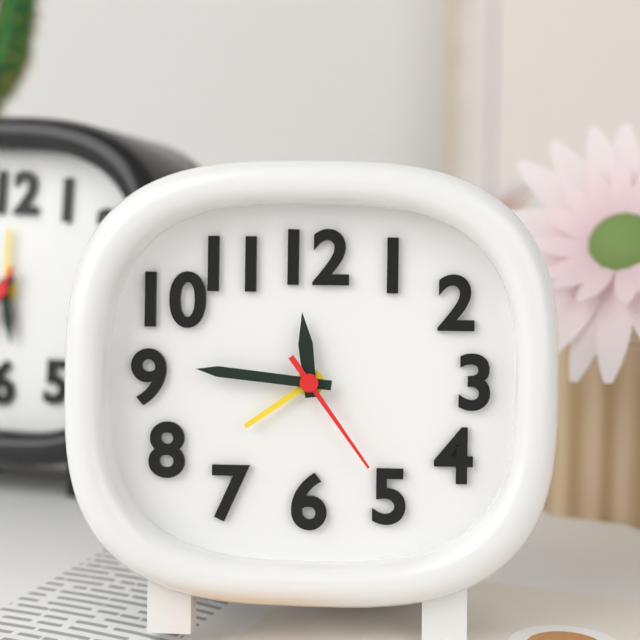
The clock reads 11h46m24s
